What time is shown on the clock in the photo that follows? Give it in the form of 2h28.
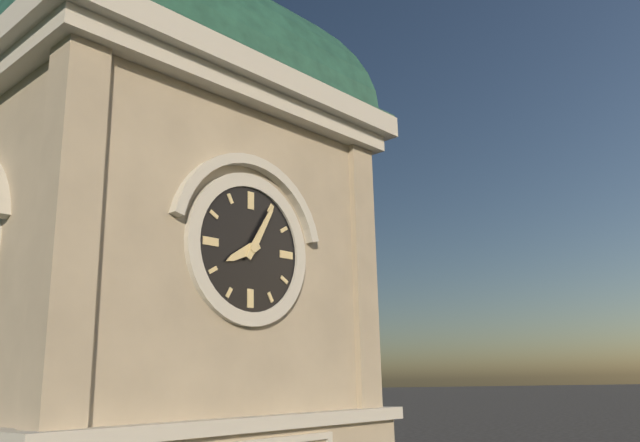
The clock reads 8h05
